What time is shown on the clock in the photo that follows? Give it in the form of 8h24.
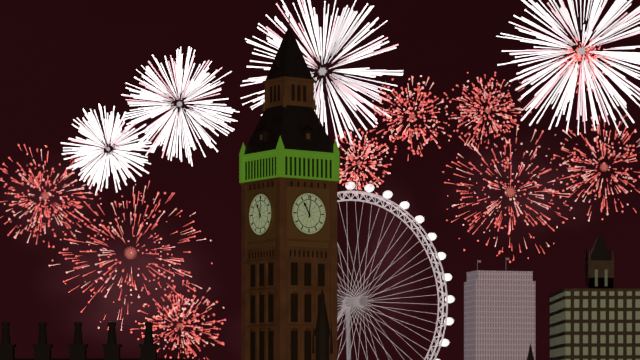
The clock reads 11h01
